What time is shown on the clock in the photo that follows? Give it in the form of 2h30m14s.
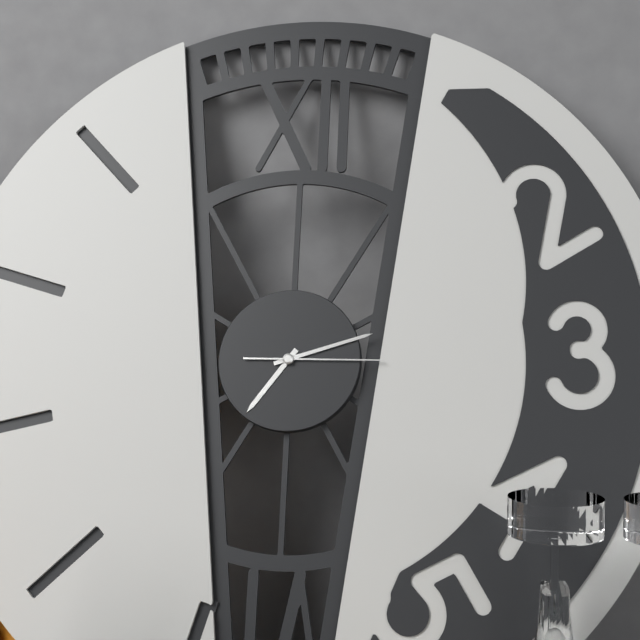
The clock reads 7h12m15s
